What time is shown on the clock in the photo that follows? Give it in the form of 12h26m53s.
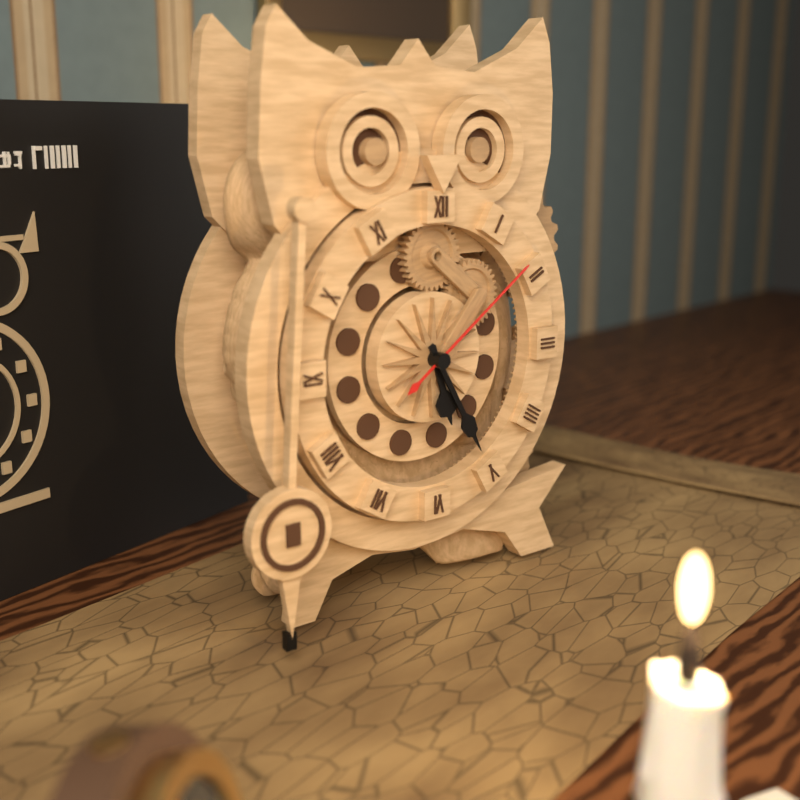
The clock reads 5h25m09s
